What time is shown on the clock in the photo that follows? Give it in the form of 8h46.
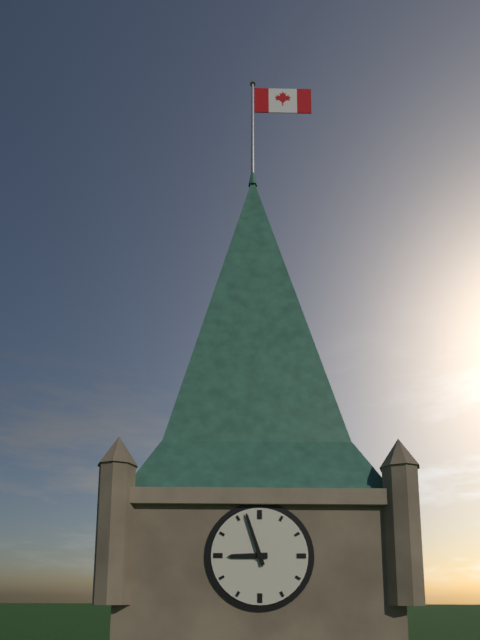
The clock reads 8h57
